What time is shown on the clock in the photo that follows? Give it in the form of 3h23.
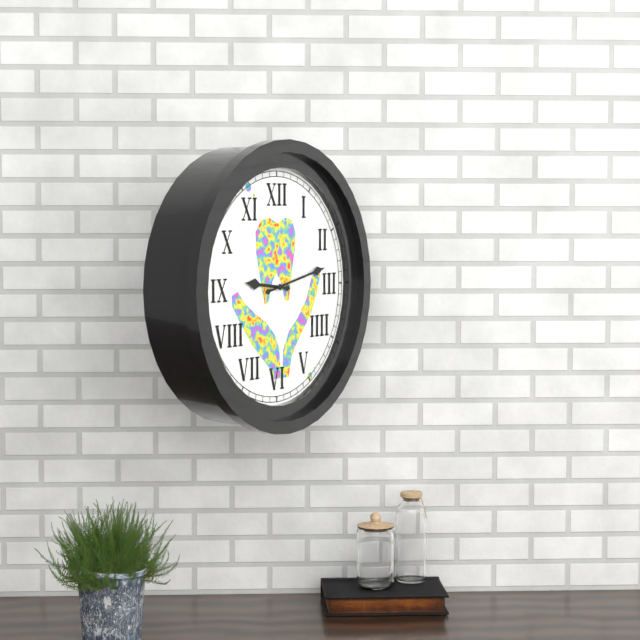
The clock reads 9h13
